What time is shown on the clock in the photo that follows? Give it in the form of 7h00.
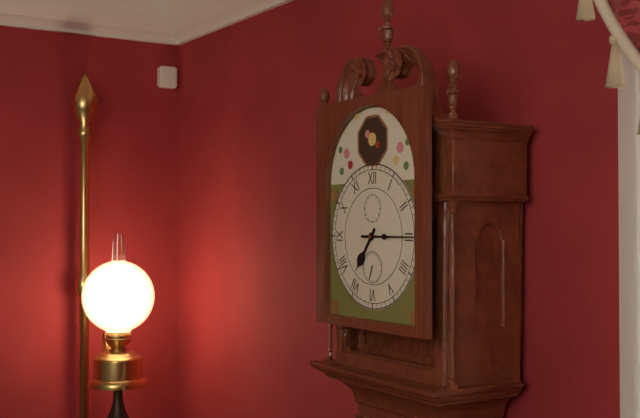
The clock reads 7h15
